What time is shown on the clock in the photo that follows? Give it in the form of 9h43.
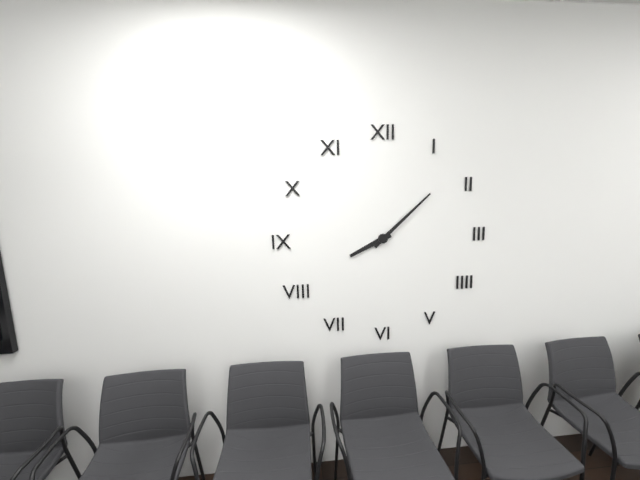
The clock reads 8h08
